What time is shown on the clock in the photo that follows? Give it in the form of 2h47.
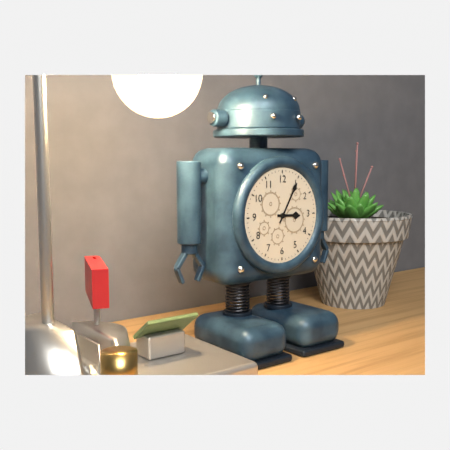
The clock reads 3h05
